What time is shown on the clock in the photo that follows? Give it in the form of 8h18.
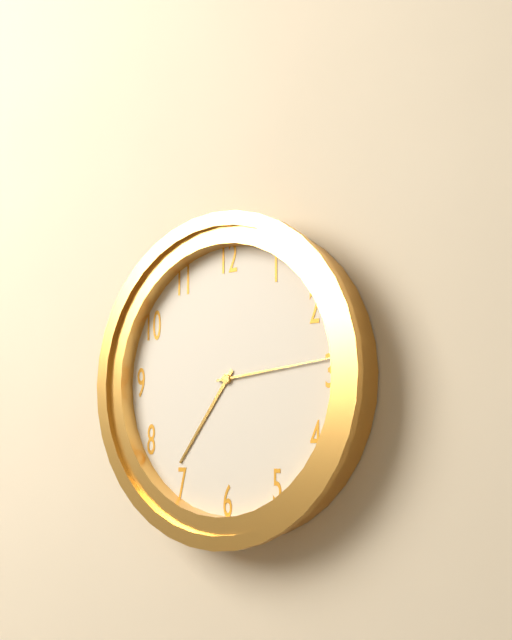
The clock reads 7h14
